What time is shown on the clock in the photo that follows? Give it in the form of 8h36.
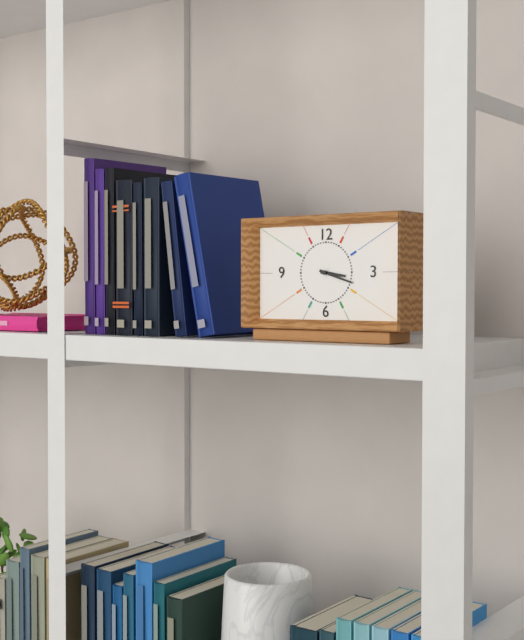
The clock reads 3h18
